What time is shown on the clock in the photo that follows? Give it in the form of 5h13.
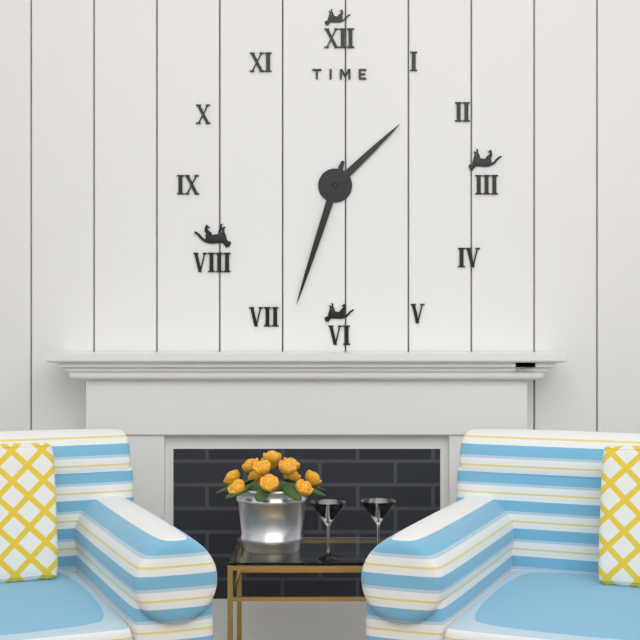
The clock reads 1h33
